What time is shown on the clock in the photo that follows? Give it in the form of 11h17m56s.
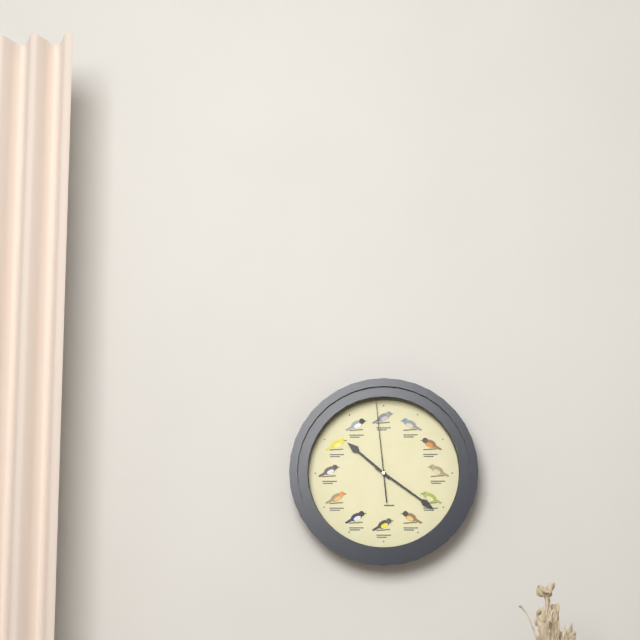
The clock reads 10h21m59s
